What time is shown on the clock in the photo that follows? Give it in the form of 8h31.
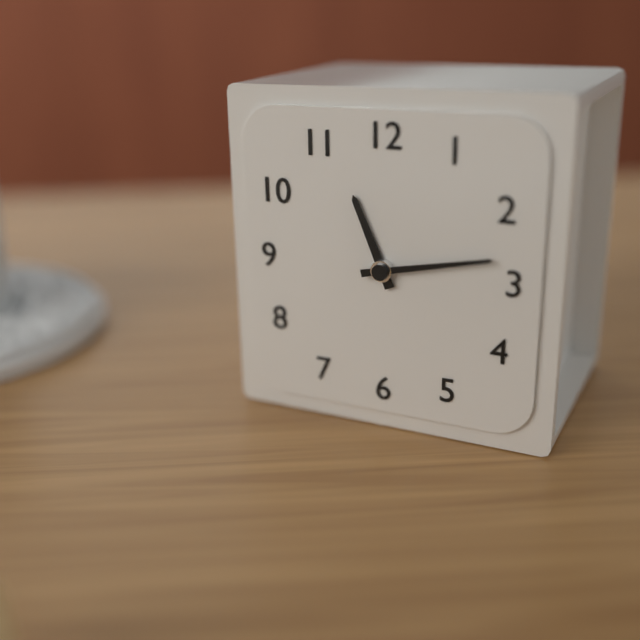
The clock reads 11h13
